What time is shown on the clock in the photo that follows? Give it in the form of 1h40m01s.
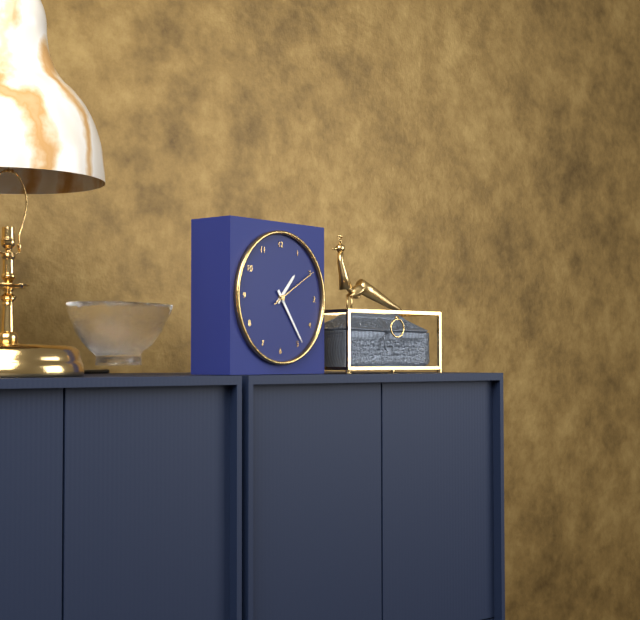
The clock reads 1h24m10s
